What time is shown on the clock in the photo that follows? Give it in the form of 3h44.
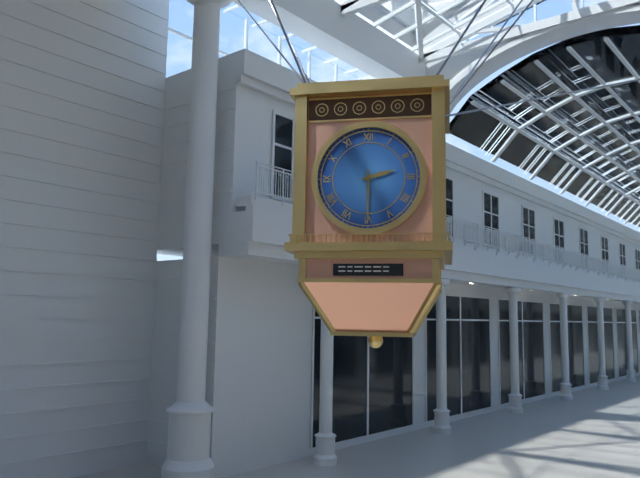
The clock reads 2h30
